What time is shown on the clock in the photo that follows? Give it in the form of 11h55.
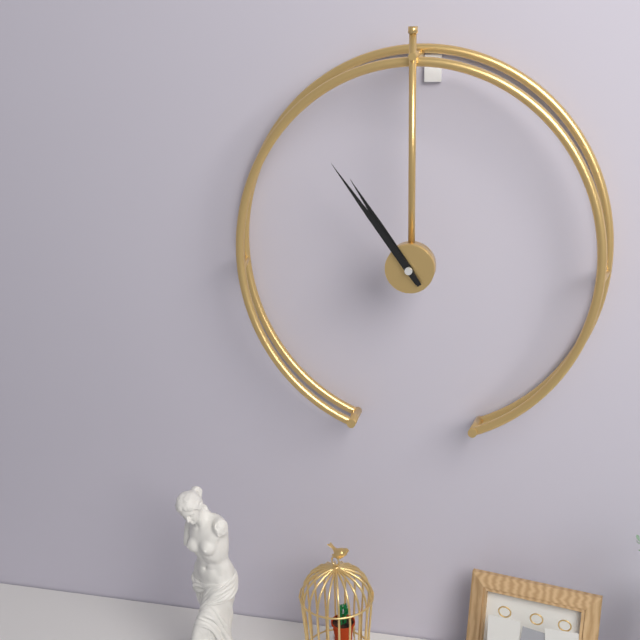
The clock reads 10h54
